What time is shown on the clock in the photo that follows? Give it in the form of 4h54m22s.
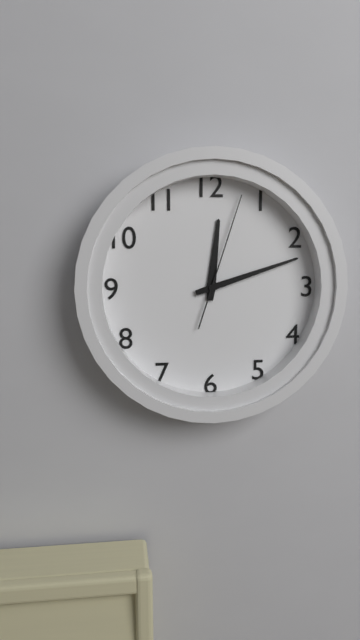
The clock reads 12h12m03s
